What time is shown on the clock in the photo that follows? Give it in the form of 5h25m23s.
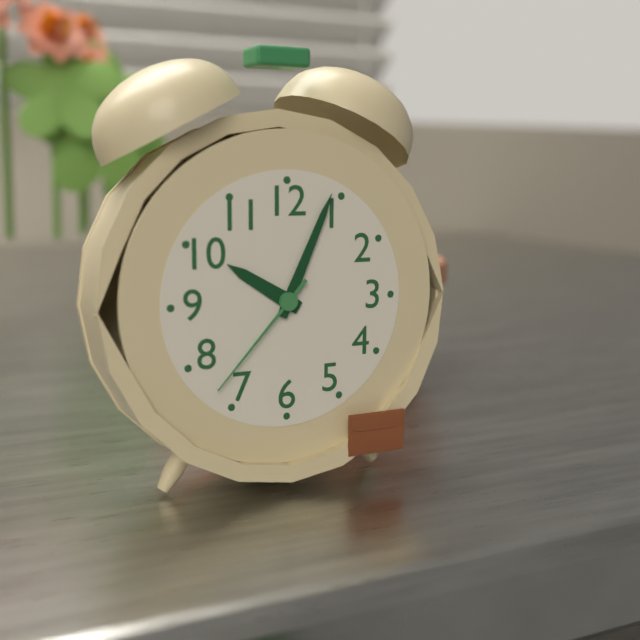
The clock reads 10h04m37s
